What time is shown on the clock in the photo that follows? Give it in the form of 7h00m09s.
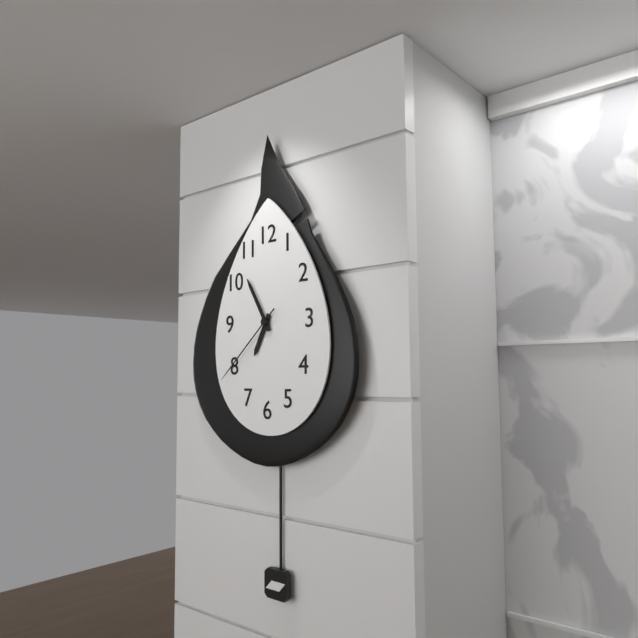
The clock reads 6h55m38s
